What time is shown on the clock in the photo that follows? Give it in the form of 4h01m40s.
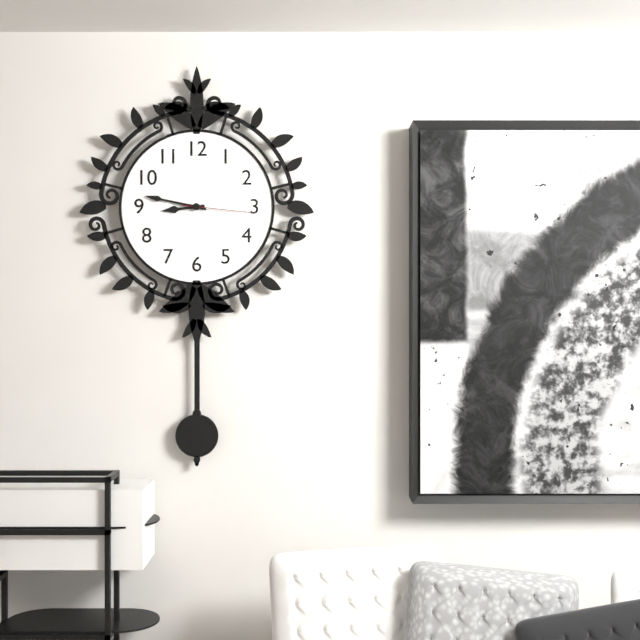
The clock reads 8h47m16s
